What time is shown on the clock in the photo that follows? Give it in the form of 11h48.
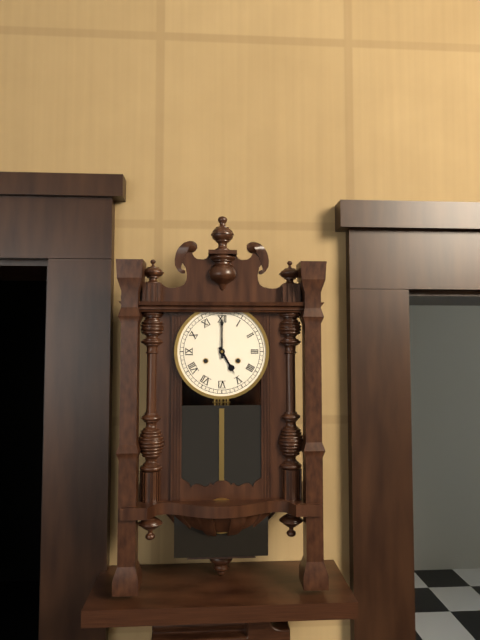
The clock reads 5h00
